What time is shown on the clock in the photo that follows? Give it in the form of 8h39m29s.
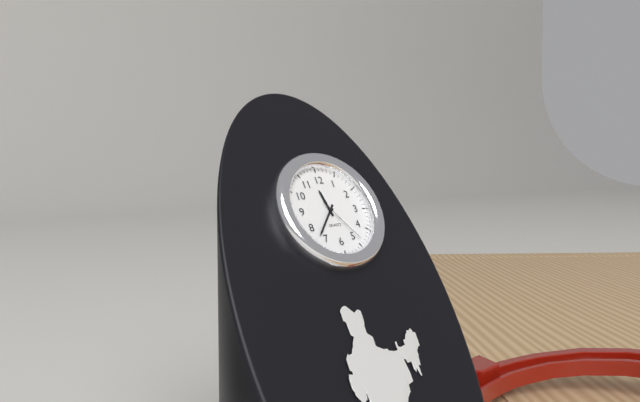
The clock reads 11h37m24s
